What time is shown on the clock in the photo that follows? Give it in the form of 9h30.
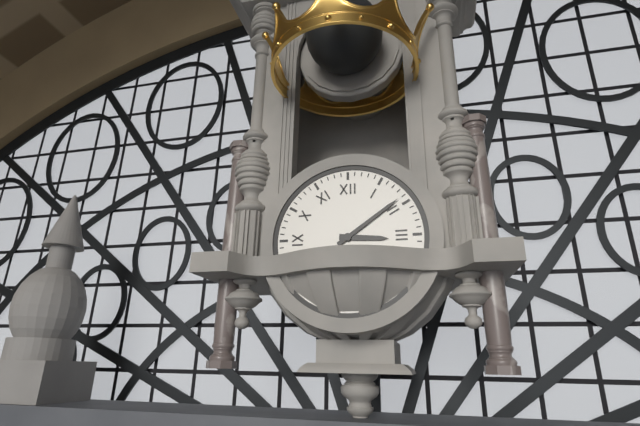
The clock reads 3h09
